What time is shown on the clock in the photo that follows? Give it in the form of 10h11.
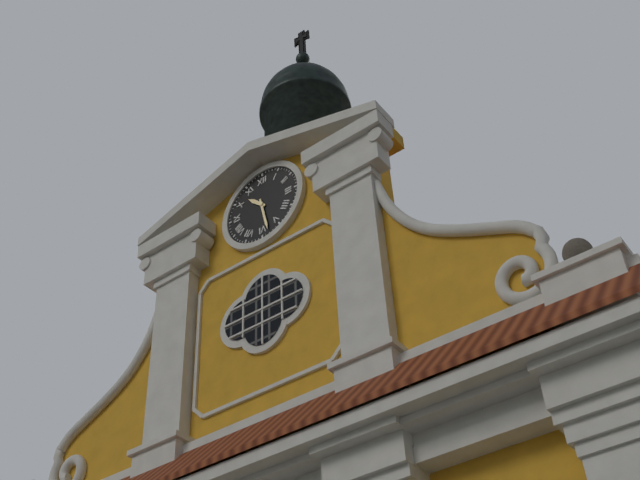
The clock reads 10h28
